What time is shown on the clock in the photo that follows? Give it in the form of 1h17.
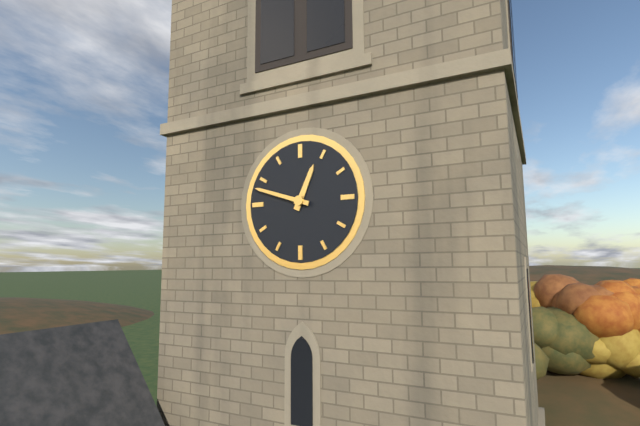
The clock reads 12h48
